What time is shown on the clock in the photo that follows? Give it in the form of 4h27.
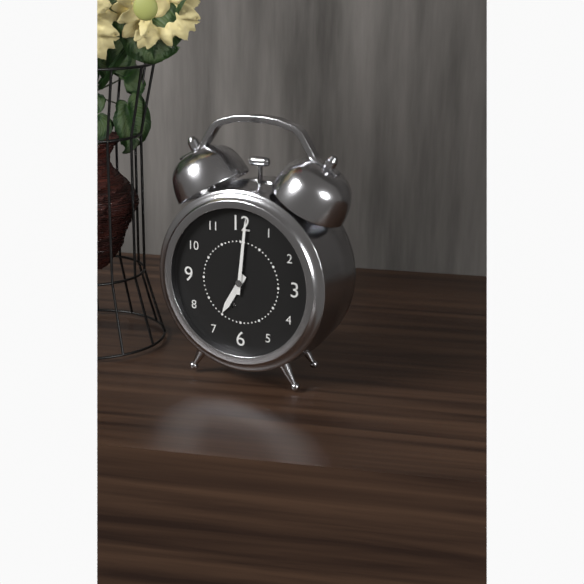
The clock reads 7h01
